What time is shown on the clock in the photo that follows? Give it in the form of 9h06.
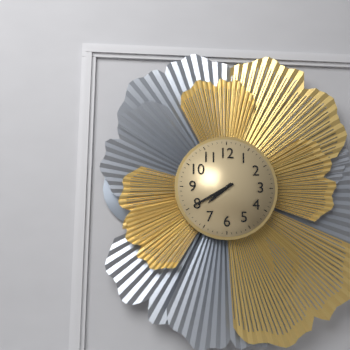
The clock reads 7h40
